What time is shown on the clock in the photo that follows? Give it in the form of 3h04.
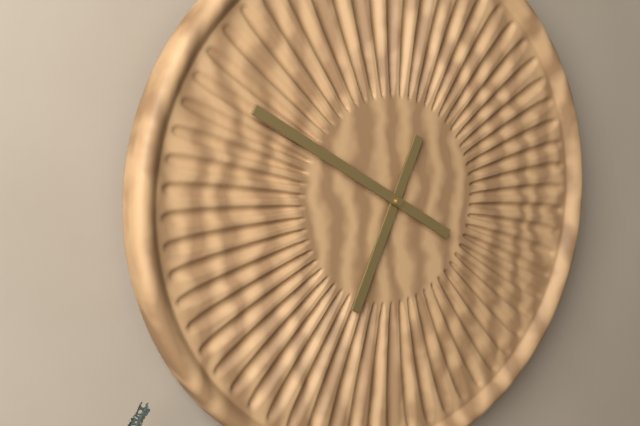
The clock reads 6h50
